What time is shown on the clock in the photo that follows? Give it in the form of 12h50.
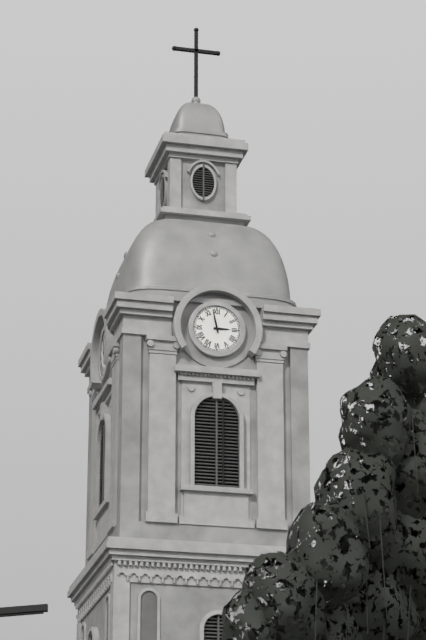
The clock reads 2h58
